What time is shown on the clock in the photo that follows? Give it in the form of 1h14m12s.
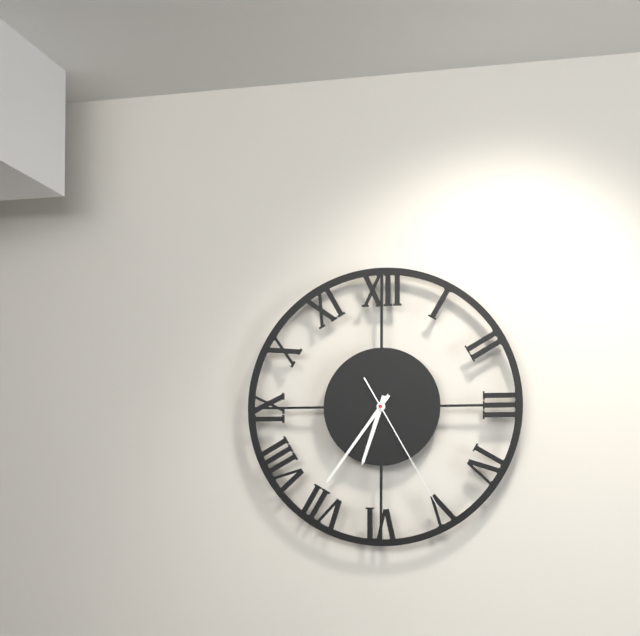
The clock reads 6h36m25s
